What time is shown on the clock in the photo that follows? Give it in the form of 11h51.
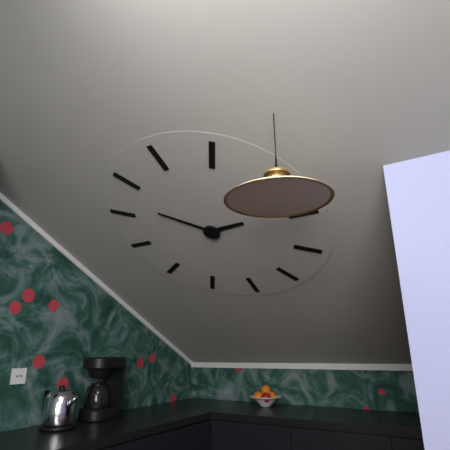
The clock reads 2h52
